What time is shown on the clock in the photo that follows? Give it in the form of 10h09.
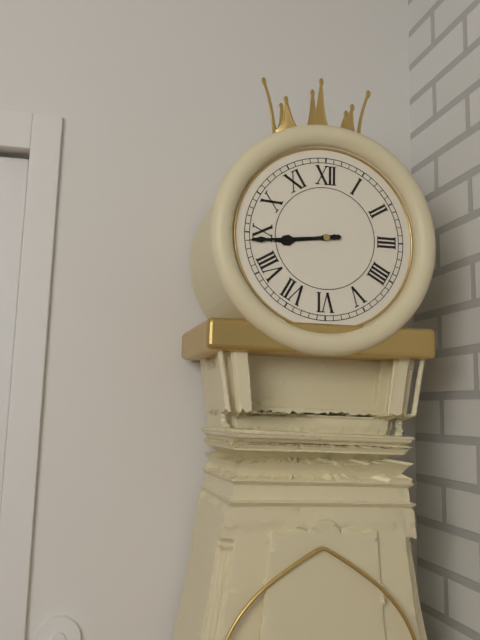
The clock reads 8h44
